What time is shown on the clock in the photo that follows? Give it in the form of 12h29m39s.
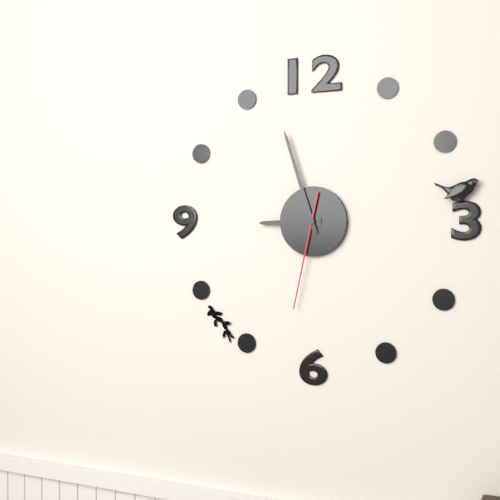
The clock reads 8h57m32s
